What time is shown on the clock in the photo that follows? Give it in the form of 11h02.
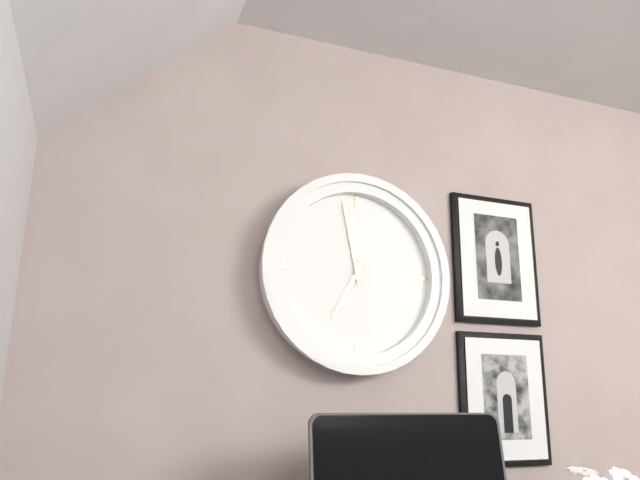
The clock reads 6h58
